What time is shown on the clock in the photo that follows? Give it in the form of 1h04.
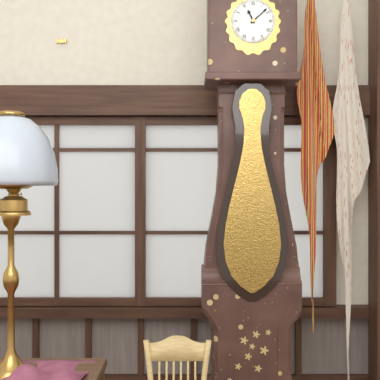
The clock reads 11h08
